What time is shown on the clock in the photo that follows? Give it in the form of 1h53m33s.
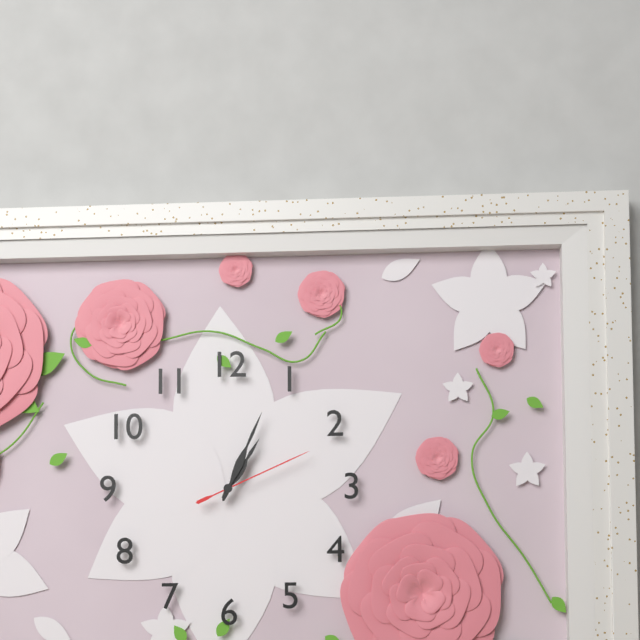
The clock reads 1h04m11s
